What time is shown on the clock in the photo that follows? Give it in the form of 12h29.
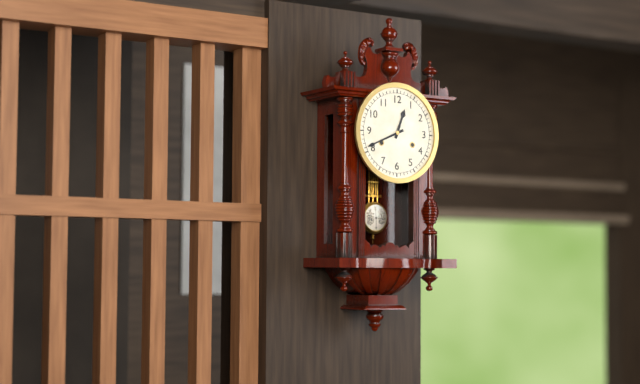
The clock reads 12h41
